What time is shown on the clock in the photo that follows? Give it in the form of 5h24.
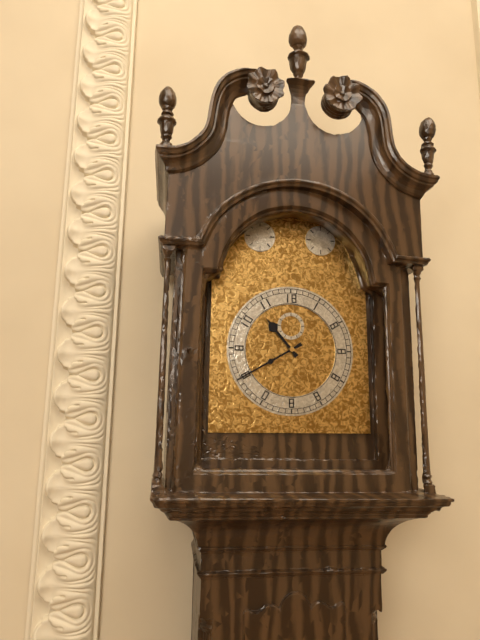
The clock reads 10h40
